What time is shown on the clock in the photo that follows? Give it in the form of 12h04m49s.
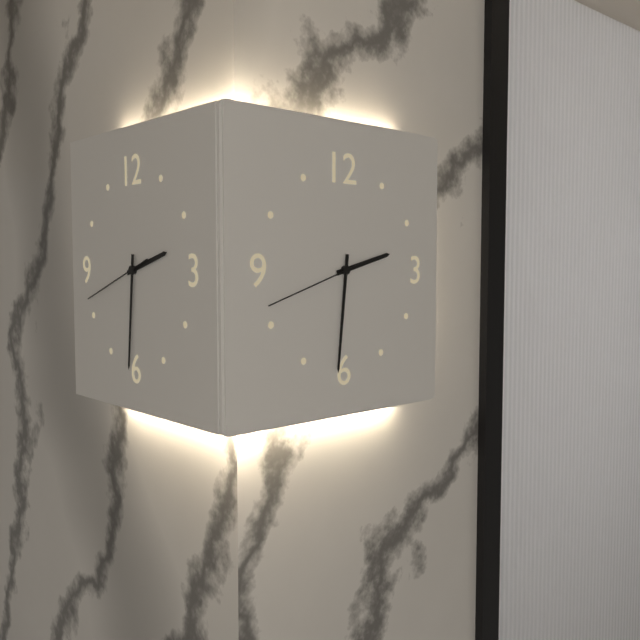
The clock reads 2h31m42s
